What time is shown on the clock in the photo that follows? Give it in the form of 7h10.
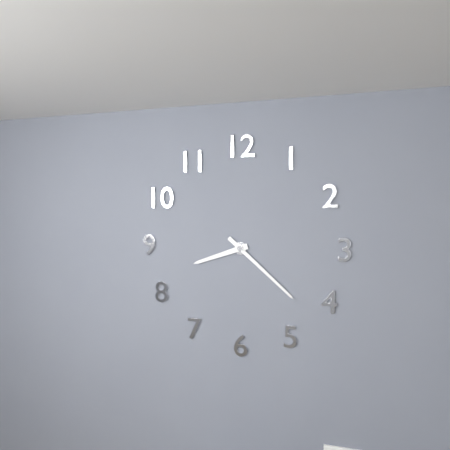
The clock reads 8h22
